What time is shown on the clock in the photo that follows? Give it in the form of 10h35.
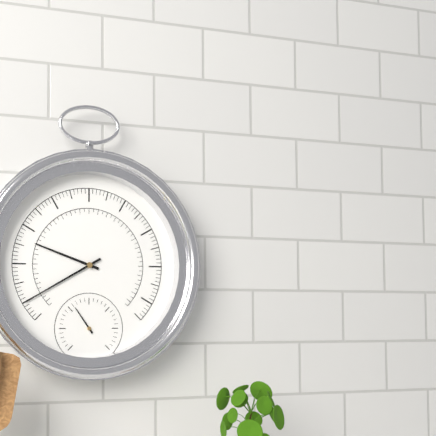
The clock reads 9h40
